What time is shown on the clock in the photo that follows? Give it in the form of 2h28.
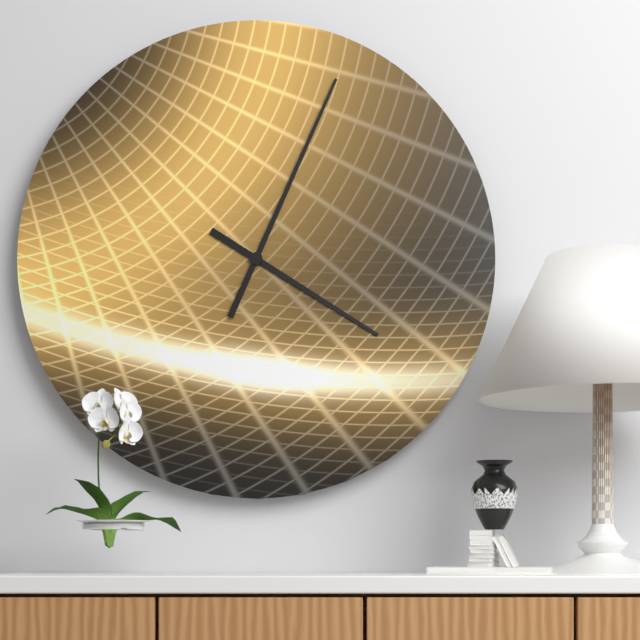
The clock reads 4h04
